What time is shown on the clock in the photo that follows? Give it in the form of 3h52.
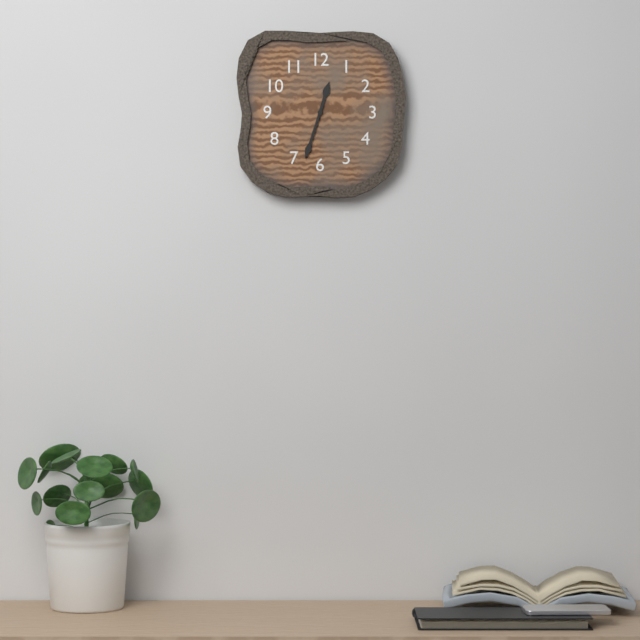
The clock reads 12h33
